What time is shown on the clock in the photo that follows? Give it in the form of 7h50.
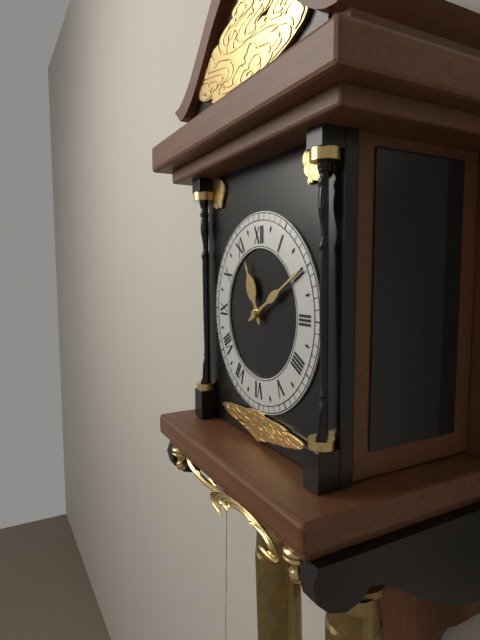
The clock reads 11h10
